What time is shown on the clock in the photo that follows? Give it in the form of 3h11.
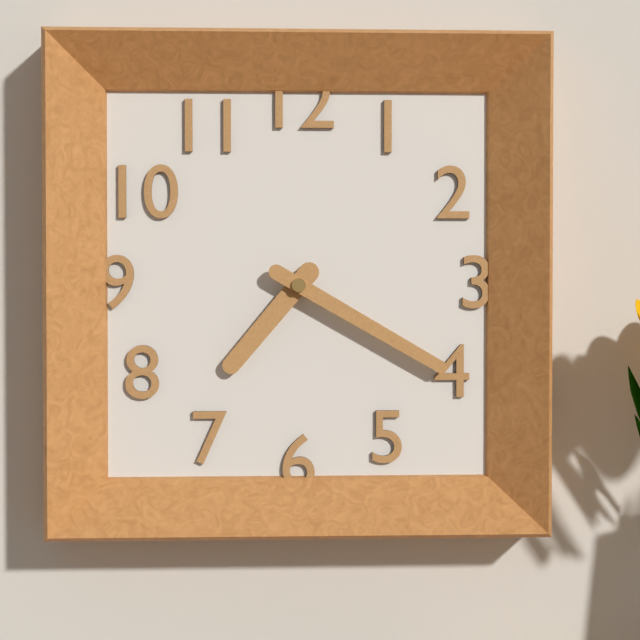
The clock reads 7h20
